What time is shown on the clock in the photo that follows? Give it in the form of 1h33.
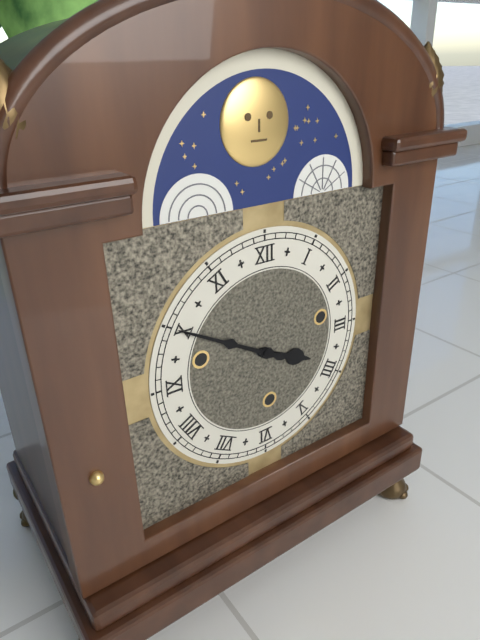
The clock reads 3h50
